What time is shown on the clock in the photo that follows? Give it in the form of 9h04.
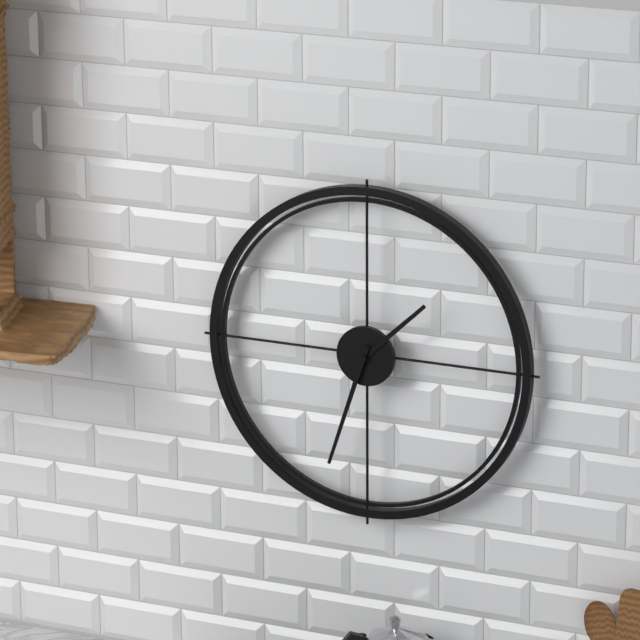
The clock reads 1h33
